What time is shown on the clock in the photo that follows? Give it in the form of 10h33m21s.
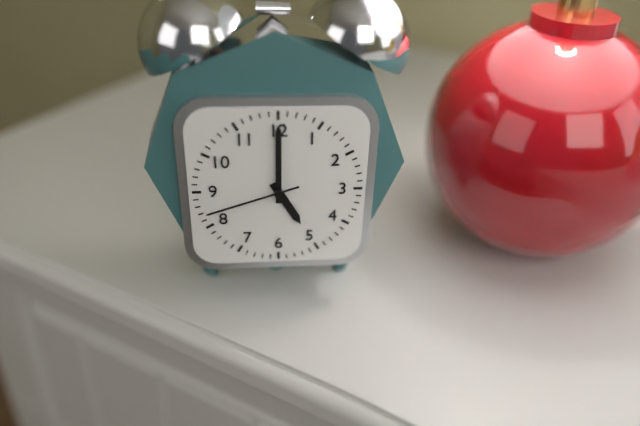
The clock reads 5h00m42s
